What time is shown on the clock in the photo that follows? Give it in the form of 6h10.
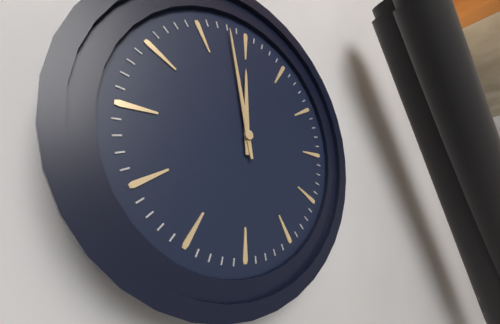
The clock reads 11h58
